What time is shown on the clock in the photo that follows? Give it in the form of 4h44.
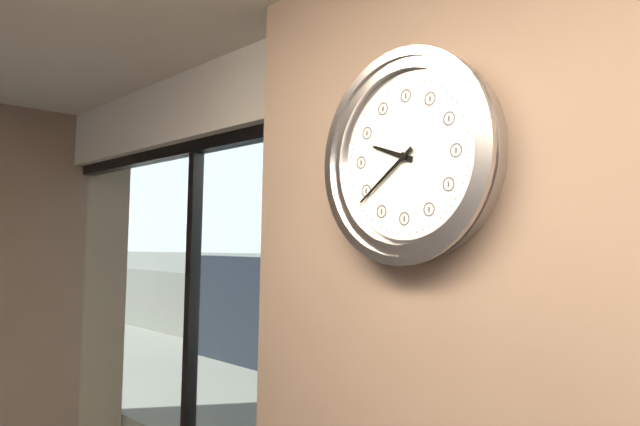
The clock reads 9h39
